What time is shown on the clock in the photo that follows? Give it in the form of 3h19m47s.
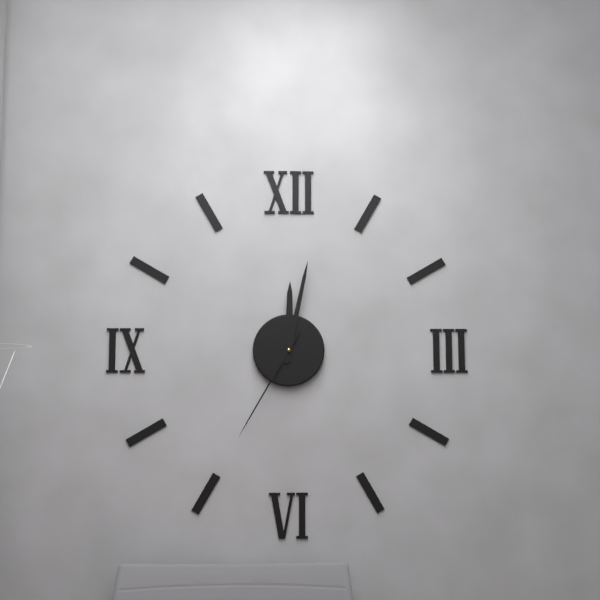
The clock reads 12h02m35s
